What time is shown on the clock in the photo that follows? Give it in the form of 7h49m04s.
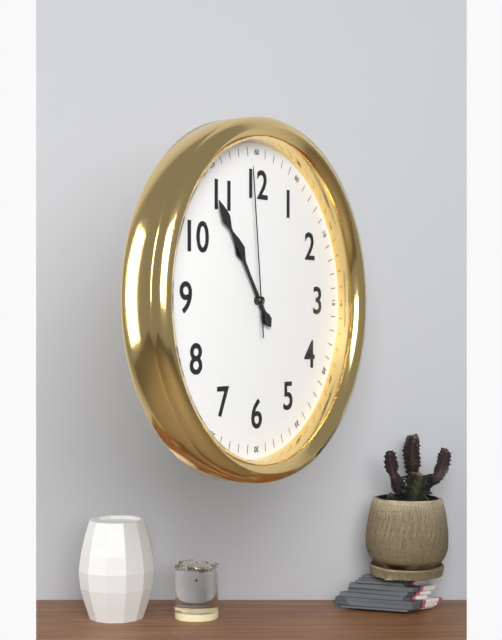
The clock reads 10h54m59s
